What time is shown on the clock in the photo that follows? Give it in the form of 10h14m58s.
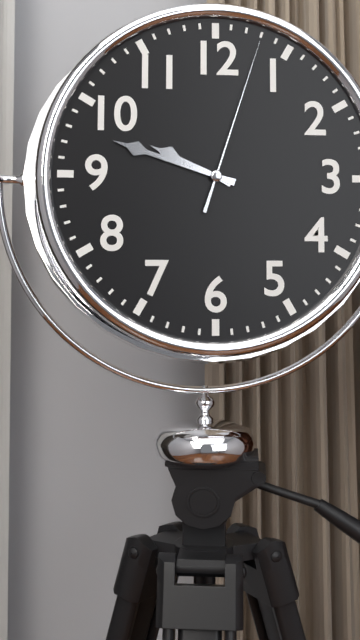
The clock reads 9h48m03s
